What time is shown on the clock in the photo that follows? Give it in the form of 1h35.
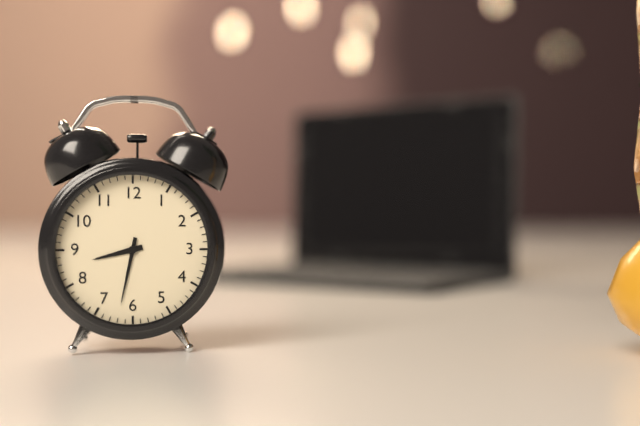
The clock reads 8h32
